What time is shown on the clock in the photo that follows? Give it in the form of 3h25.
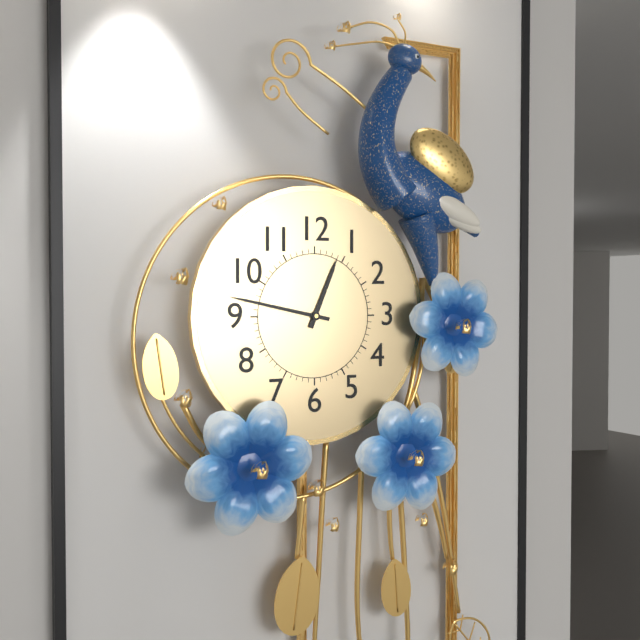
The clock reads 12h47
